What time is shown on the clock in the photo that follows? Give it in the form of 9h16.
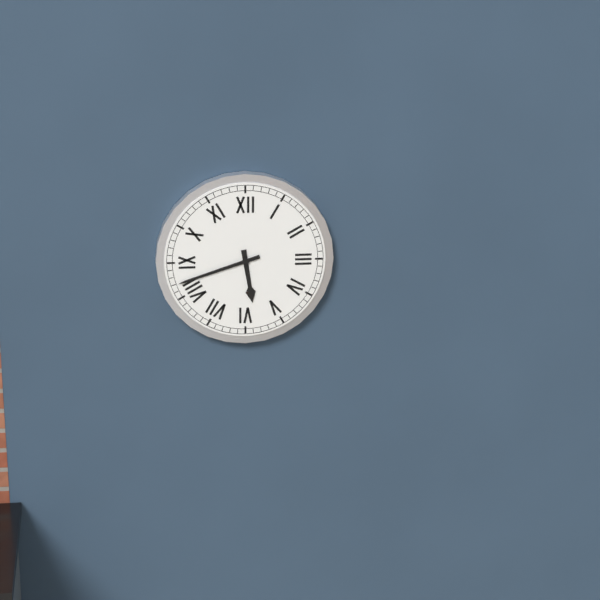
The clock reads 5h42
